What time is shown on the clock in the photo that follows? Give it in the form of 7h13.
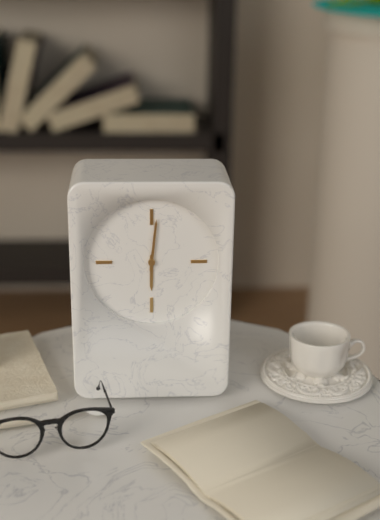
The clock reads 6h01
